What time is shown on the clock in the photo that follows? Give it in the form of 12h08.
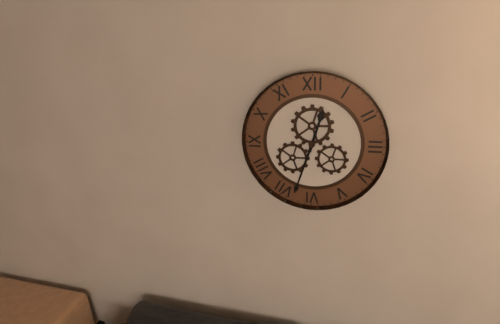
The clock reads 12h33
